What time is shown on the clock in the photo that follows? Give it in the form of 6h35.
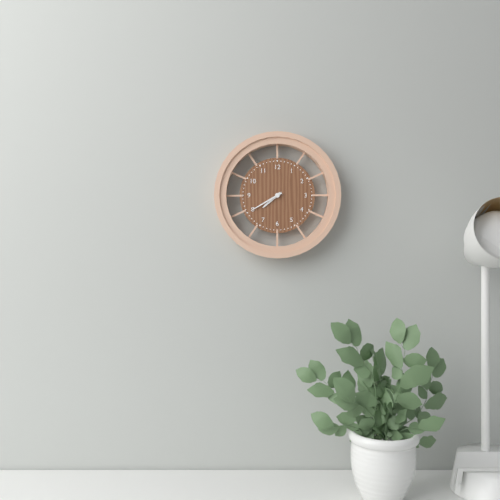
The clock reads 7h40
